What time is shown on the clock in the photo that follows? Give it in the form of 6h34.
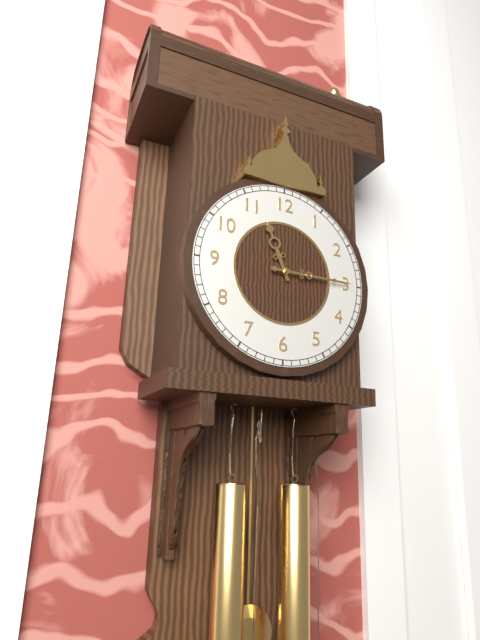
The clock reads 11h15
